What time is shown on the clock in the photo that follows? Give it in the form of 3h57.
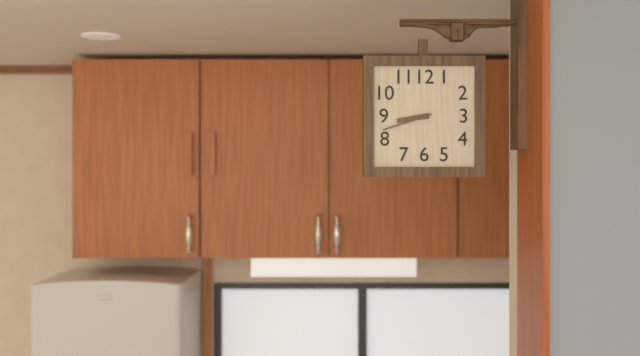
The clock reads 8h42
